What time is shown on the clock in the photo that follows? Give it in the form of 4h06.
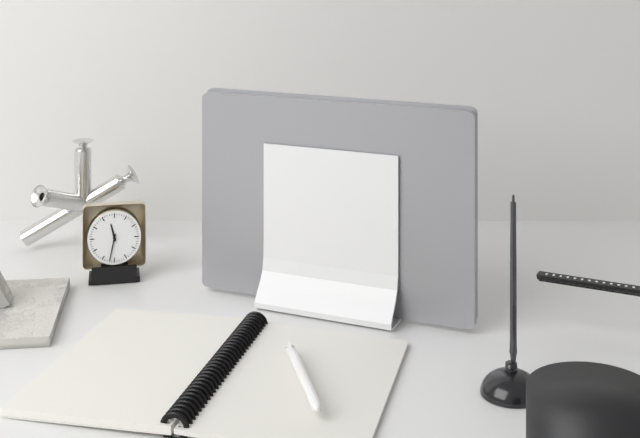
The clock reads 11h32
